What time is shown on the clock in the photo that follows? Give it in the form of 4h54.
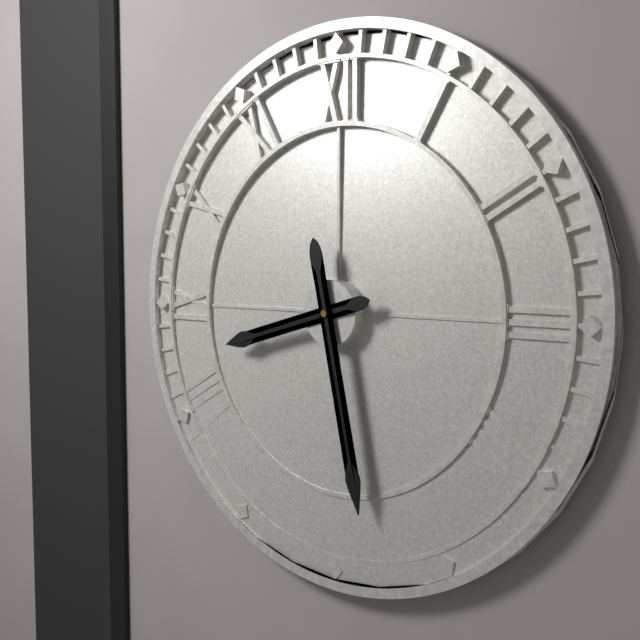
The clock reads 8h28
